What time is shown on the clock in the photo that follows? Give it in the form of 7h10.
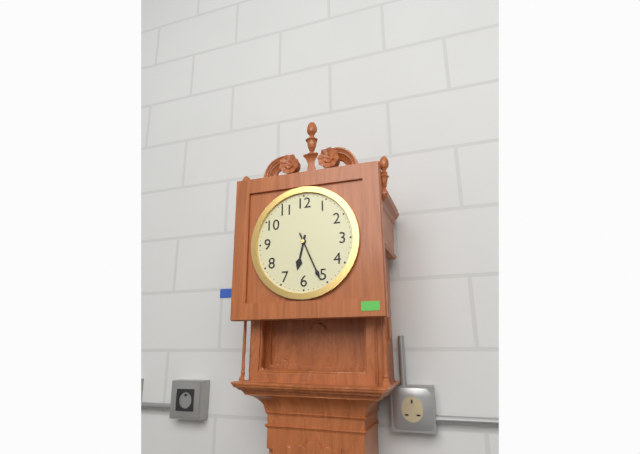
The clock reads 6h26
